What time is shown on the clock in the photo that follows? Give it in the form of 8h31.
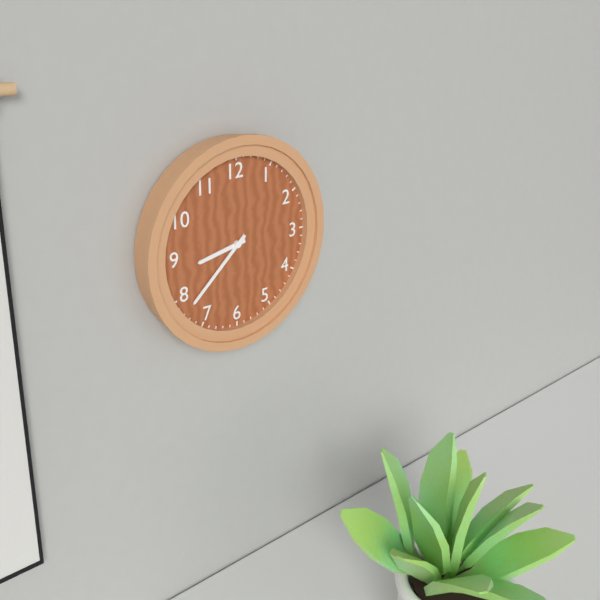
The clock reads 8h38
